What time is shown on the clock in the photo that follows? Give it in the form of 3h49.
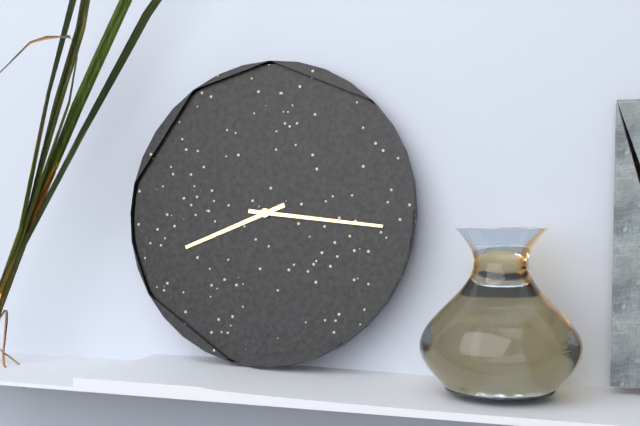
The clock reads 8h16
